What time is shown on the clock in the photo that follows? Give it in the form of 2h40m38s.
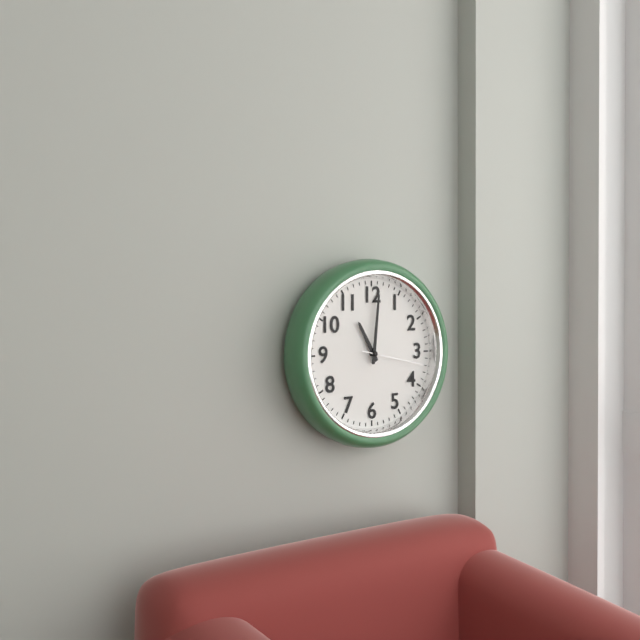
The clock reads 11h01m17s
